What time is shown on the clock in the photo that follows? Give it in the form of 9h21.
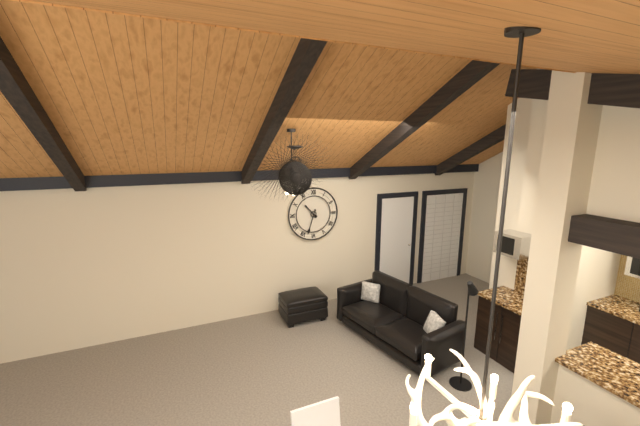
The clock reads 10h33
